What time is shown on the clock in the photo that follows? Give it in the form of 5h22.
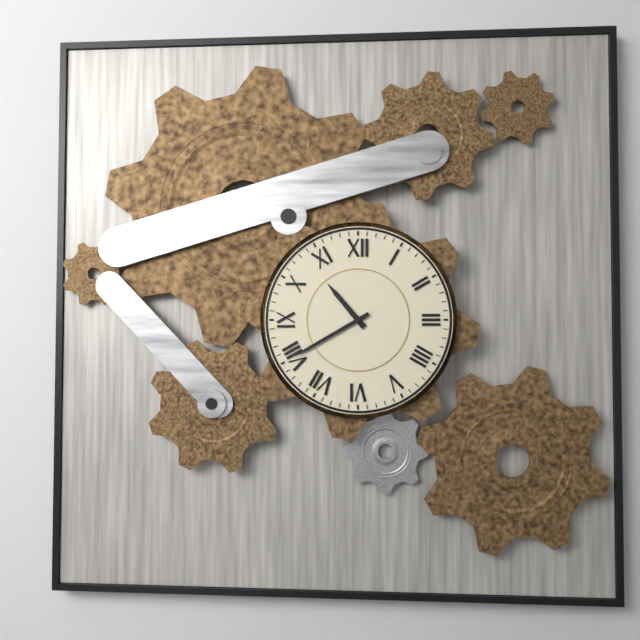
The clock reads 10h40
